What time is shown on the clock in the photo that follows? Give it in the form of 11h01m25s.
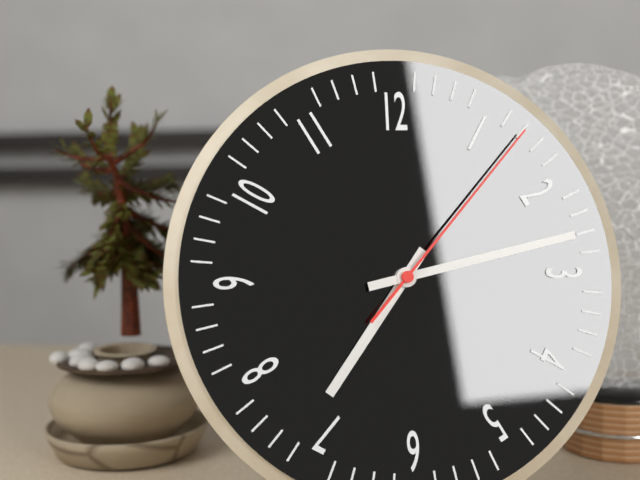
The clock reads 7h13m07s
